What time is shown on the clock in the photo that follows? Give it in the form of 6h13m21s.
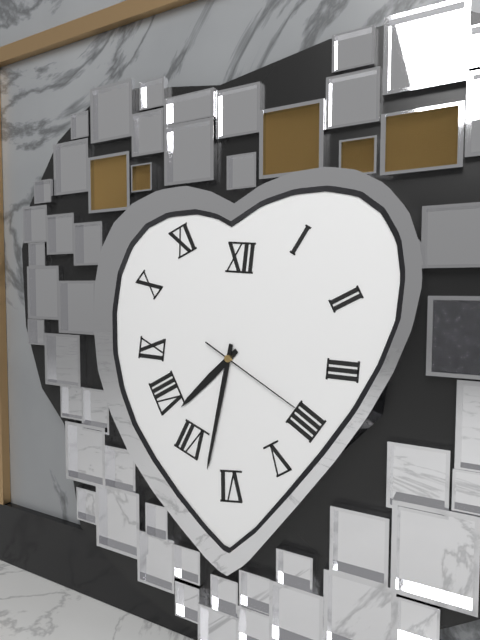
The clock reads 7h32m20s
